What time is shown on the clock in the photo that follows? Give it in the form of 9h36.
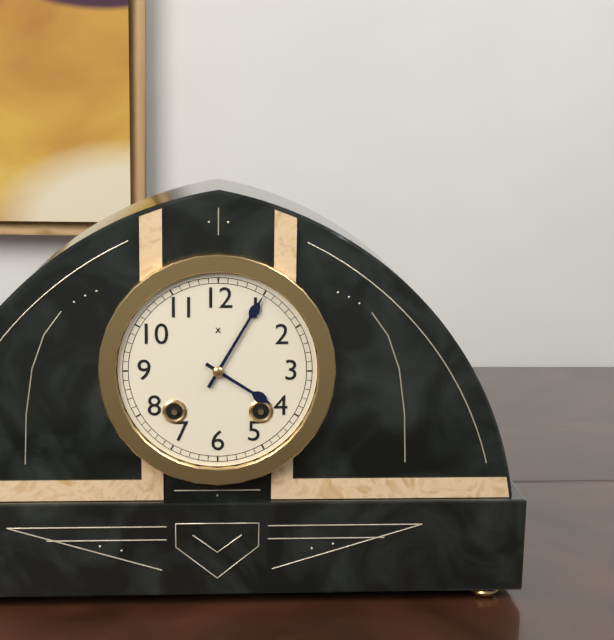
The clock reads 4h05
